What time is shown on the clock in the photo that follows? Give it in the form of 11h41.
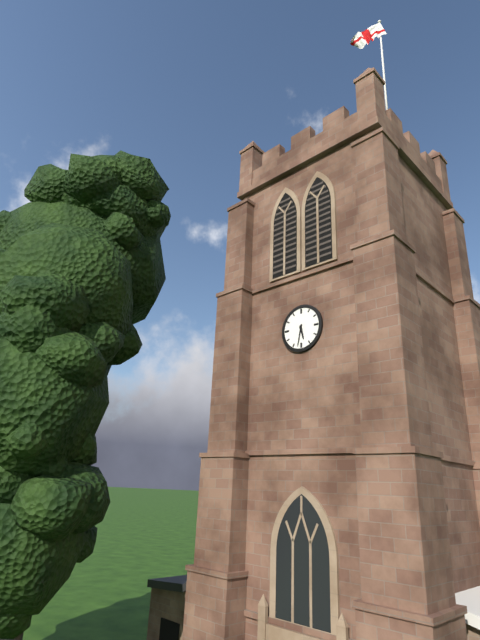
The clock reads 5h32
